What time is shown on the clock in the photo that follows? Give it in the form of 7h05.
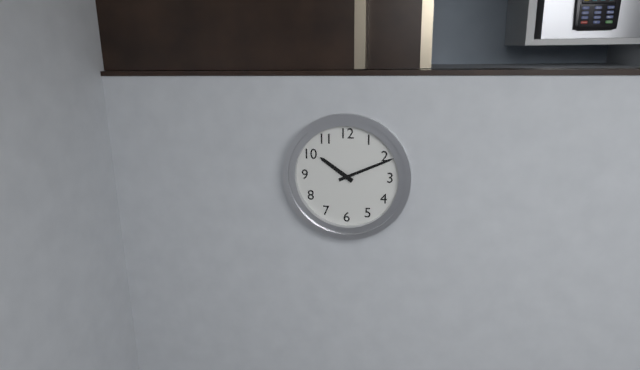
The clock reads 10h11
